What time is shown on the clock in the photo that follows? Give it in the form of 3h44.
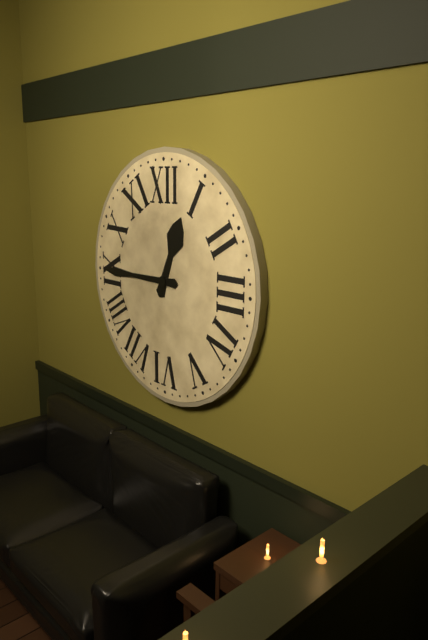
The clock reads 12h45
